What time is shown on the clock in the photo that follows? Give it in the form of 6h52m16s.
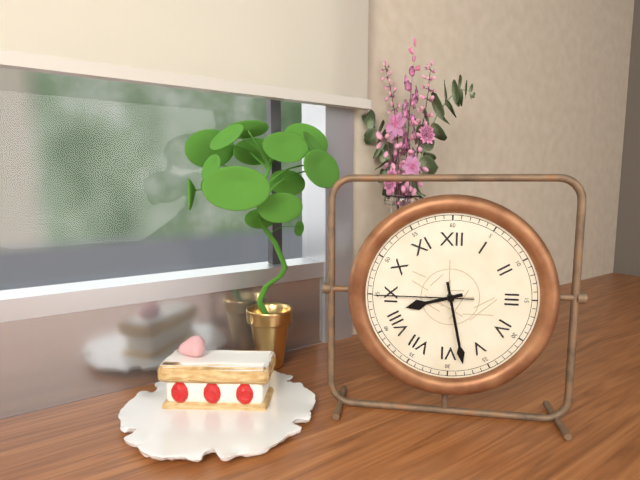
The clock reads 8h28m45s
